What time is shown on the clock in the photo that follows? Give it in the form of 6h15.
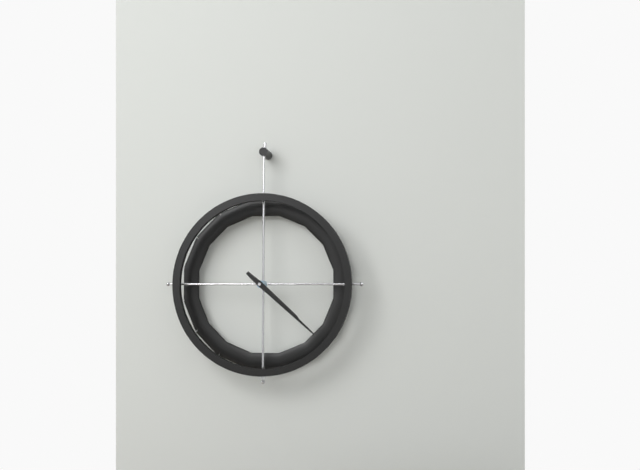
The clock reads 4h22
